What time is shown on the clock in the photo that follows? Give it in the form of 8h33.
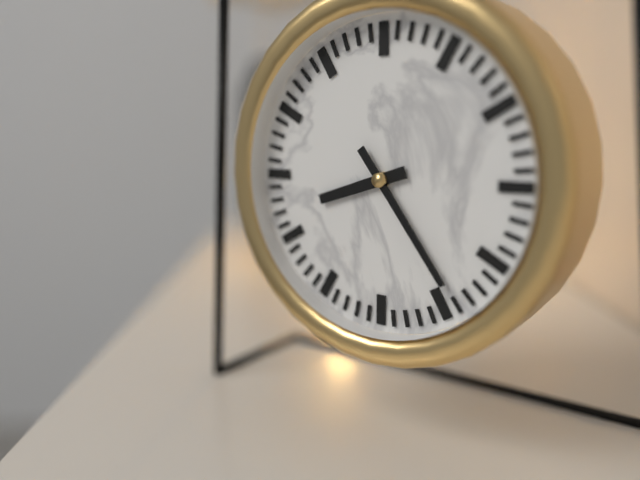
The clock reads 8h24
